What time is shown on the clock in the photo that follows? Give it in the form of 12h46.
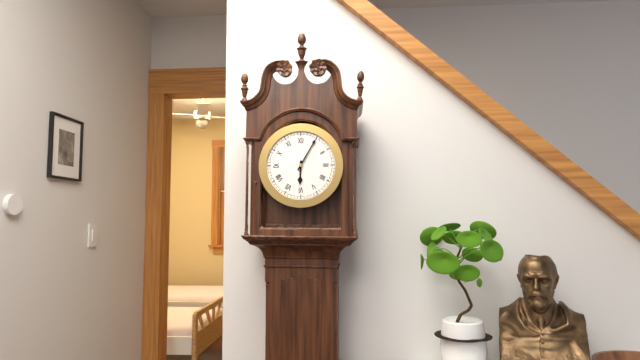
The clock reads 6h05
